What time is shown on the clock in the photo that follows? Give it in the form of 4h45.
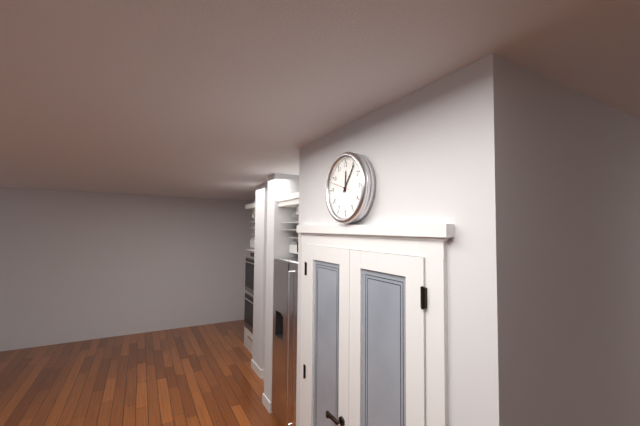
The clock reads 12h06
